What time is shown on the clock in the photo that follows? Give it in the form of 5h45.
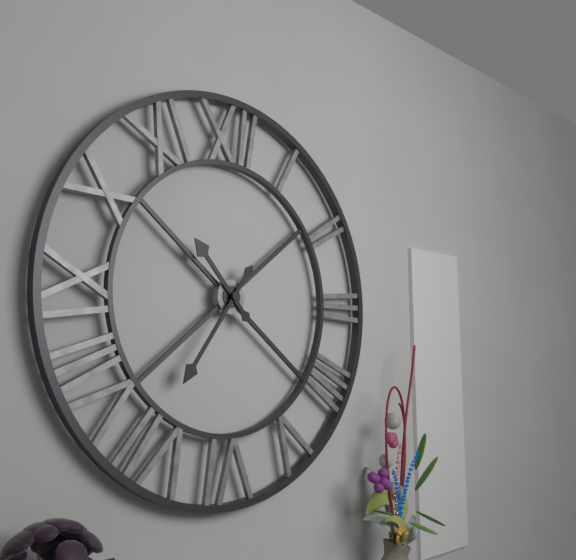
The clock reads 10h36
